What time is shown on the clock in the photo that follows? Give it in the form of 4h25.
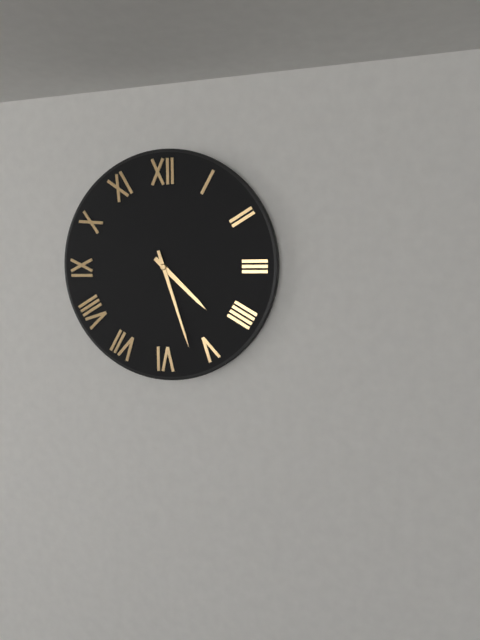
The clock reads 4h27
